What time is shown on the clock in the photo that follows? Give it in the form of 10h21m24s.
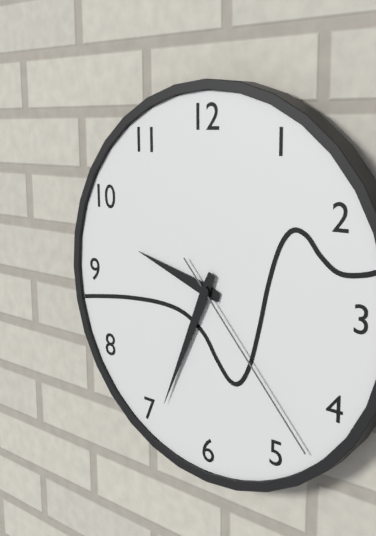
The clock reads 9h34m23s
